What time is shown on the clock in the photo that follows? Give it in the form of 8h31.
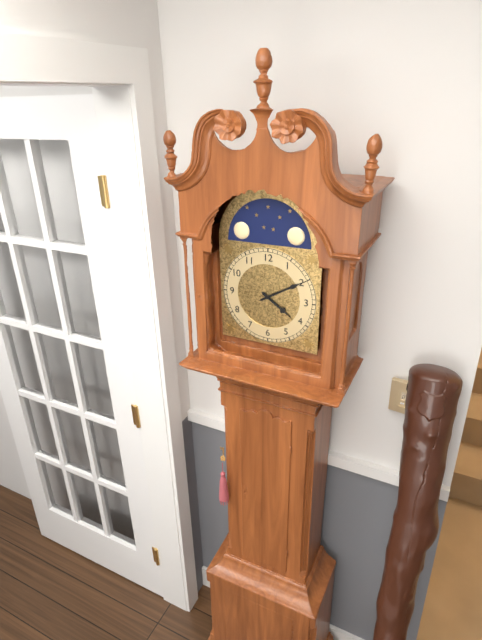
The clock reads 4h10
